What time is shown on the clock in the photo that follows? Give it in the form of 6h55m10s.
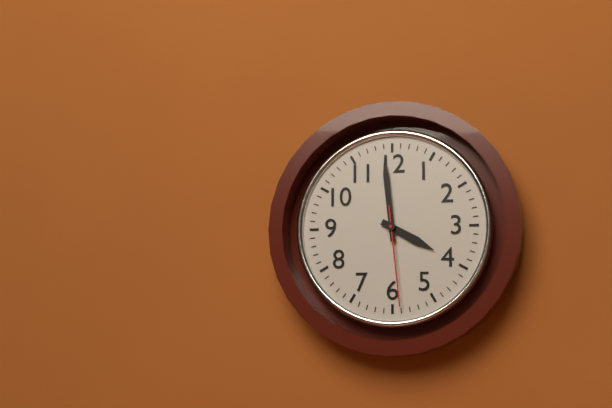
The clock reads 3h59m29s
